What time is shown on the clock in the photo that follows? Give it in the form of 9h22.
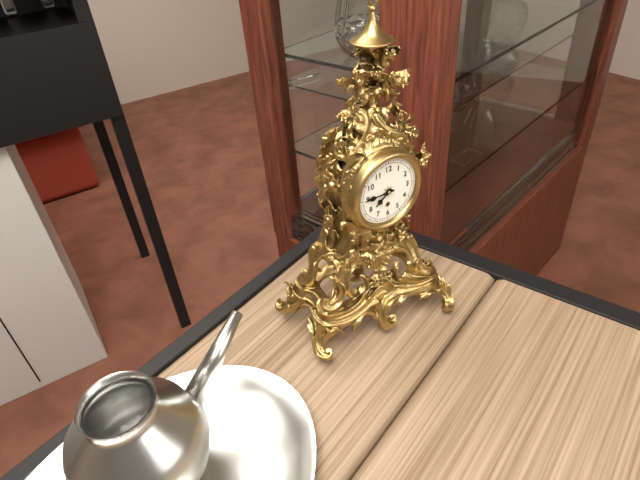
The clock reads 7h45
